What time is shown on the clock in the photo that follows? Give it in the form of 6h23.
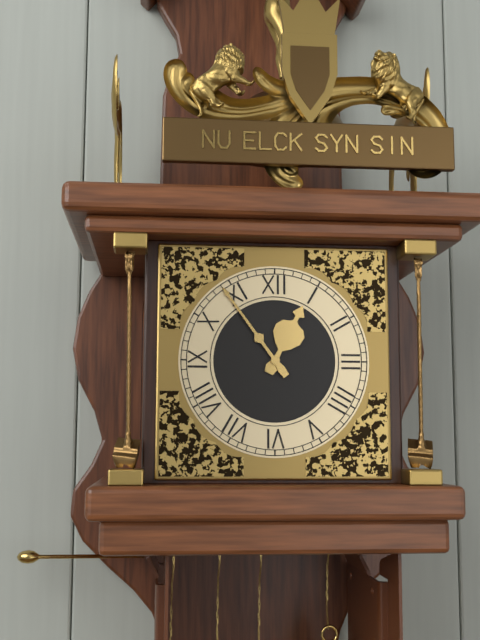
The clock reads 12h54
